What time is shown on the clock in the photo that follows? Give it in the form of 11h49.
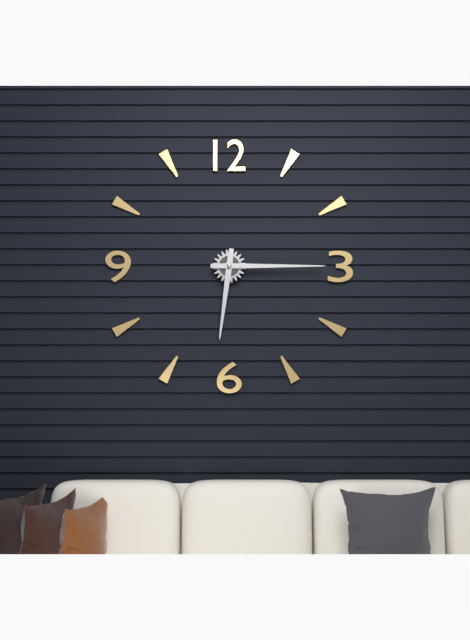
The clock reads 6h15
